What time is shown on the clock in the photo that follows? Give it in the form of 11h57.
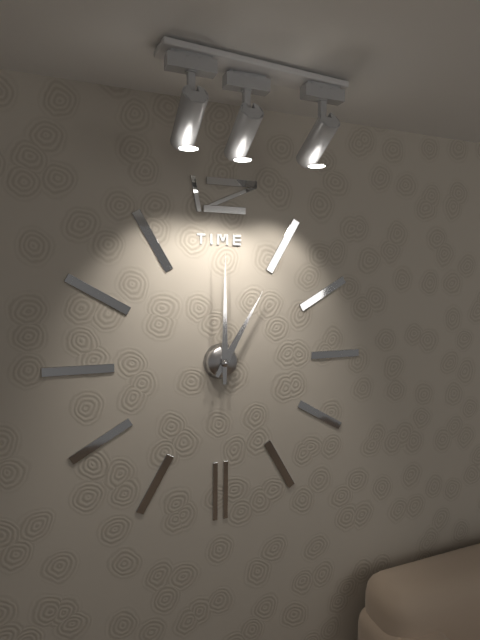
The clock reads 1h00
